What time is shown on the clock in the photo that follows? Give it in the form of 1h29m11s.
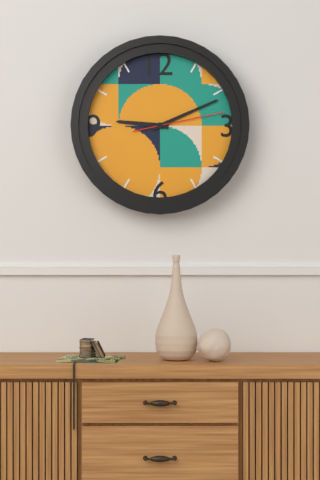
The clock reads 9h11m13s
